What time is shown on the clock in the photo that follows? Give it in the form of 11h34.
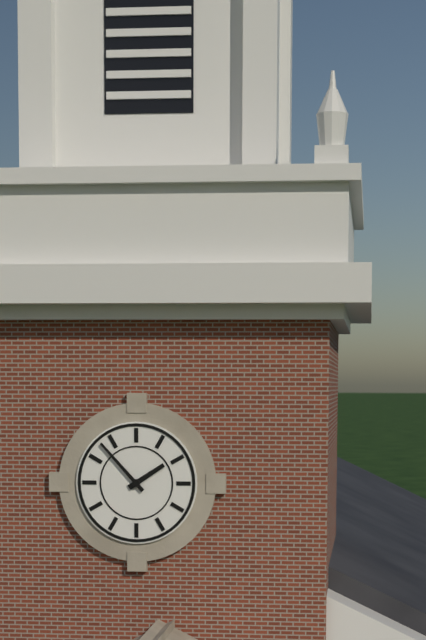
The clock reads 1h53
